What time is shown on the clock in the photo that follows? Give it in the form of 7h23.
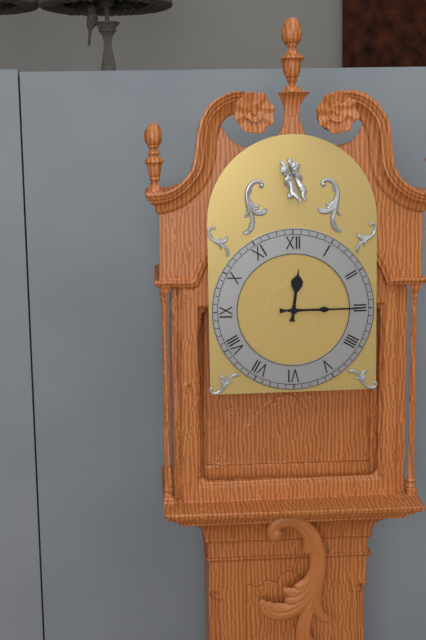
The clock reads 12h15
